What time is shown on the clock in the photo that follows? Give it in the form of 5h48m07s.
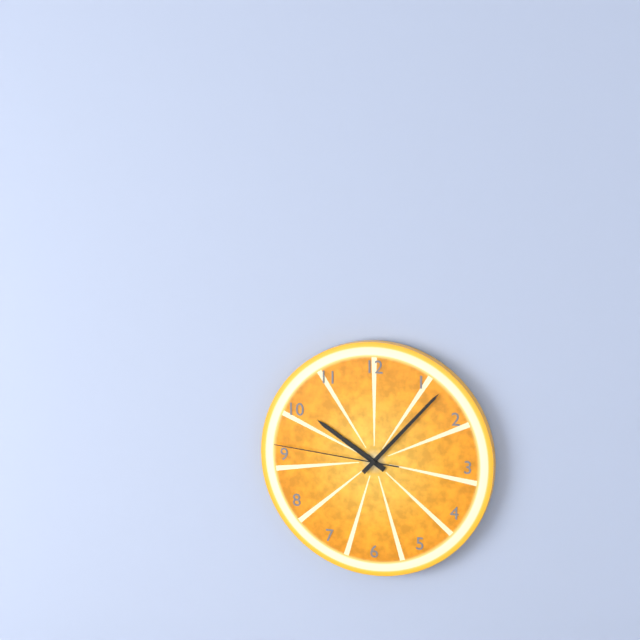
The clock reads 10h07m46s
